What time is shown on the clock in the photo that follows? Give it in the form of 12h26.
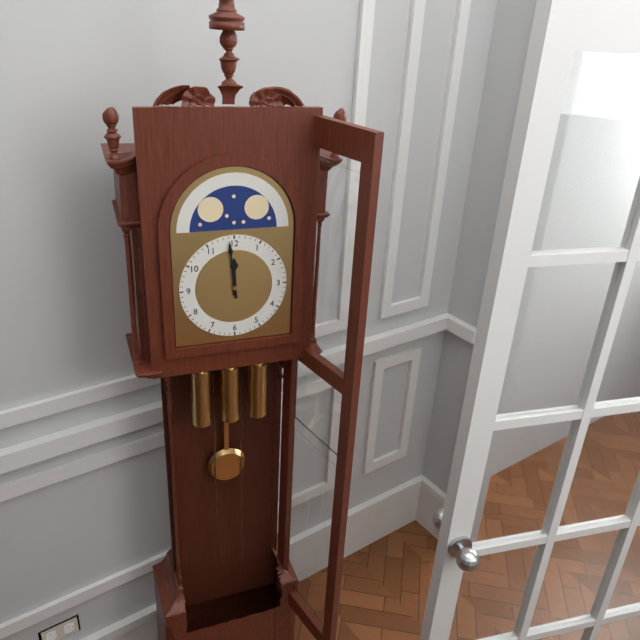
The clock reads 11h59
